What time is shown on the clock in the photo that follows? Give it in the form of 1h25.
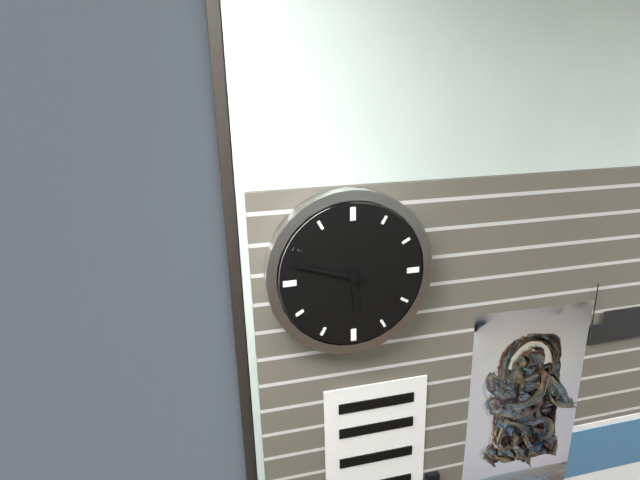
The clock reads 5h48
